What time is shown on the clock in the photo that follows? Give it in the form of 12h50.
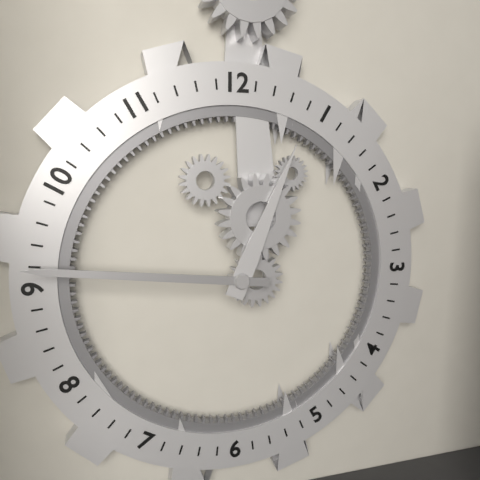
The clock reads 12h46
